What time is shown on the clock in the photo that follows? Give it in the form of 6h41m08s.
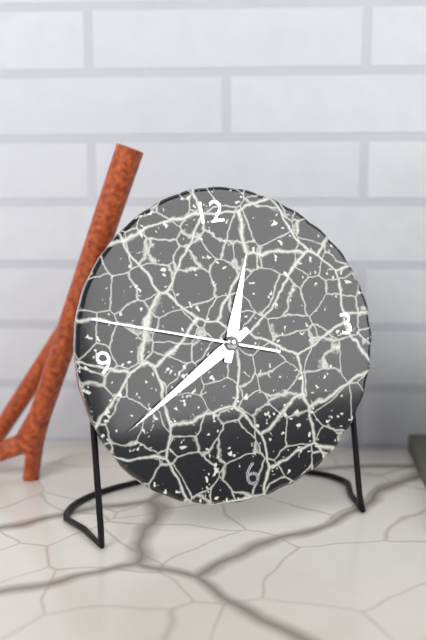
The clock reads 12h40m48s
